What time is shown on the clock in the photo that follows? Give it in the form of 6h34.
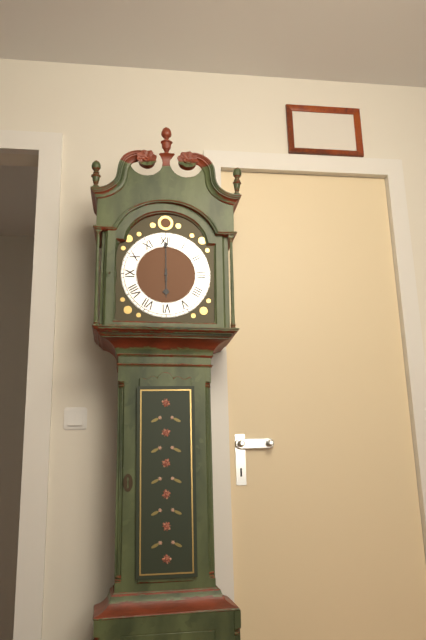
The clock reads 6h00
